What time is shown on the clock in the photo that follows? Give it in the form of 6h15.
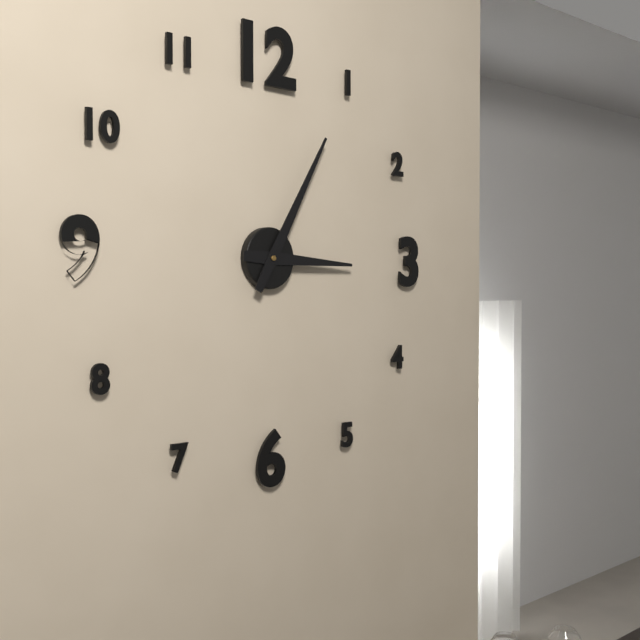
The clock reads 3h05
